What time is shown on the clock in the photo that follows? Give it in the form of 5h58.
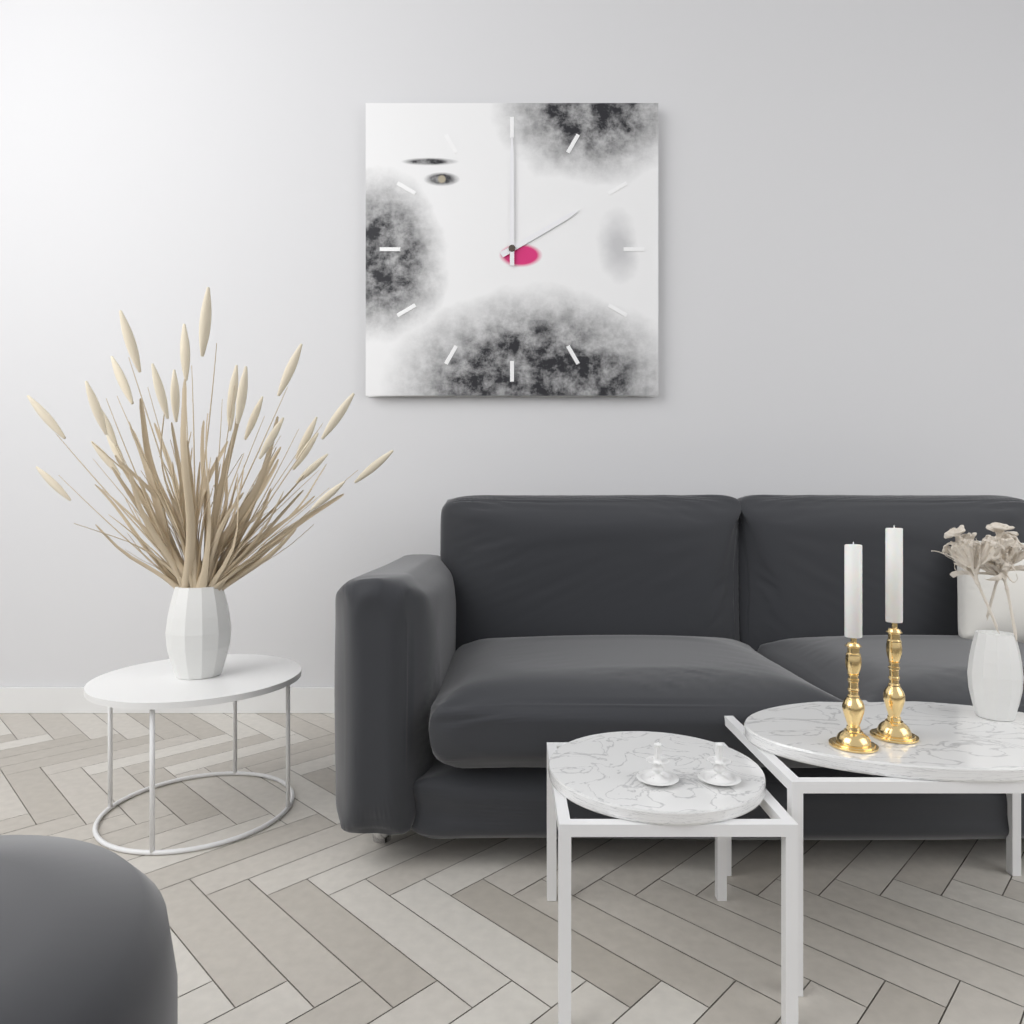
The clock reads 2h00
